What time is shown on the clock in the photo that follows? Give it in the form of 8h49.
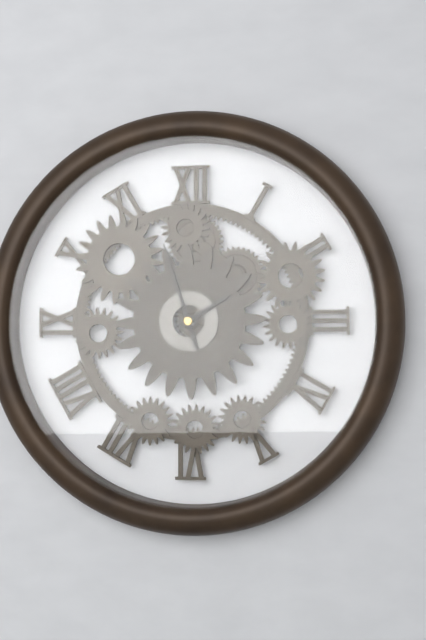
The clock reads 1h57
